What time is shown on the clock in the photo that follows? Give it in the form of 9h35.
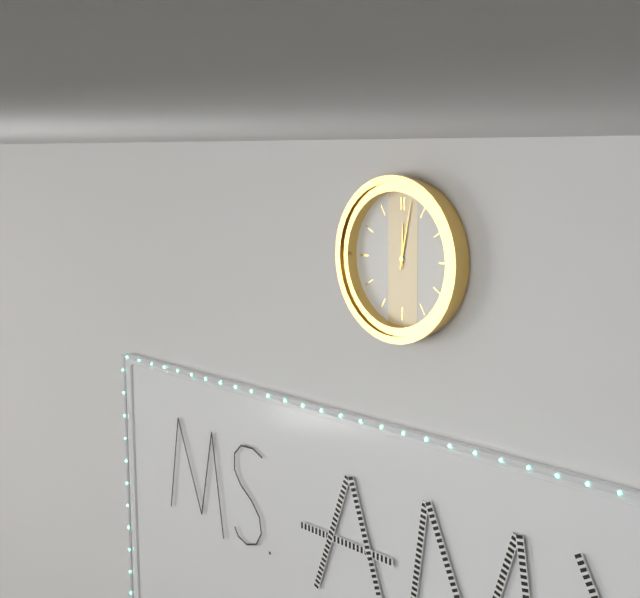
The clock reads 12h02
